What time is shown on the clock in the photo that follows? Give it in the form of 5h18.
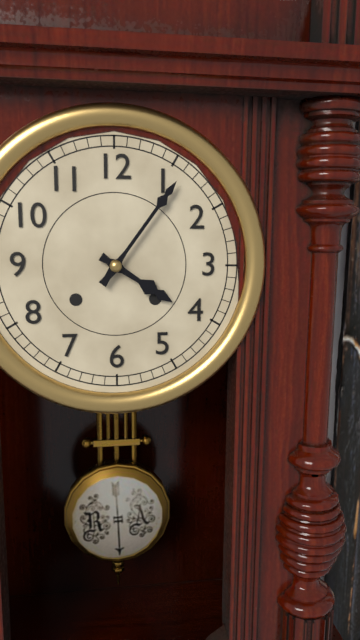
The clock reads 4h06
